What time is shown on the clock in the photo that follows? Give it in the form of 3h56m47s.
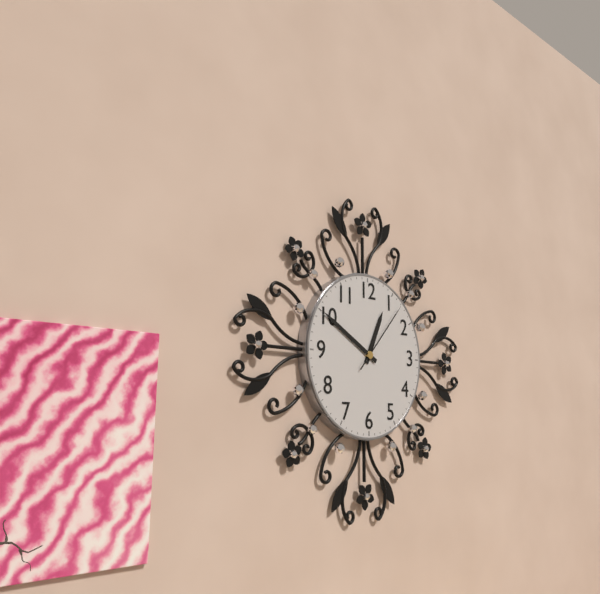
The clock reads 12h50m07s
